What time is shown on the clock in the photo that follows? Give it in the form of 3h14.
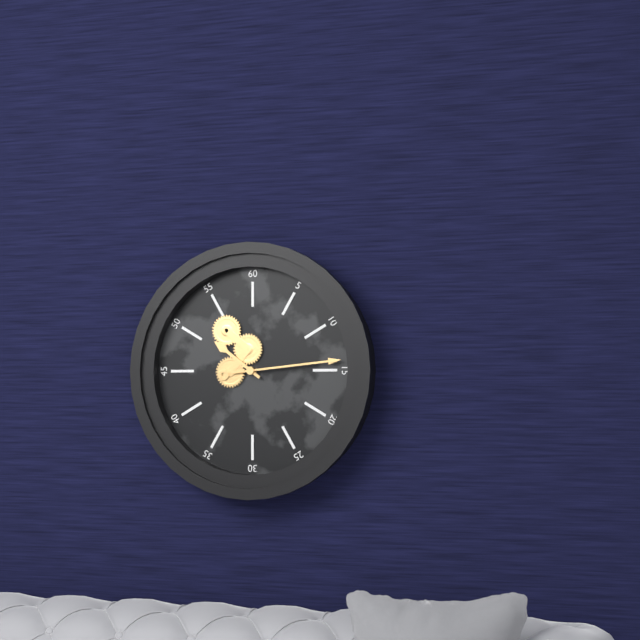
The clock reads 10h14
